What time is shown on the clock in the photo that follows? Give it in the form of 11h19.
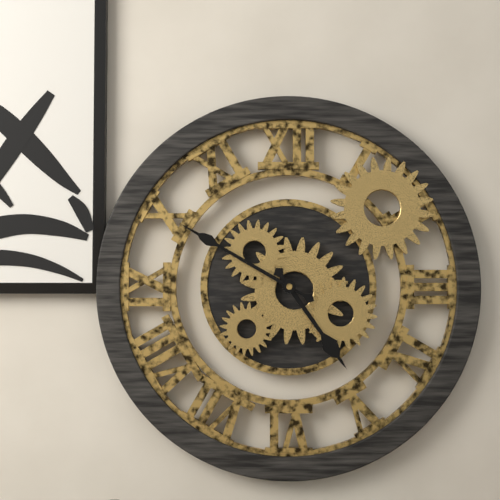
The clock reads 4h50
